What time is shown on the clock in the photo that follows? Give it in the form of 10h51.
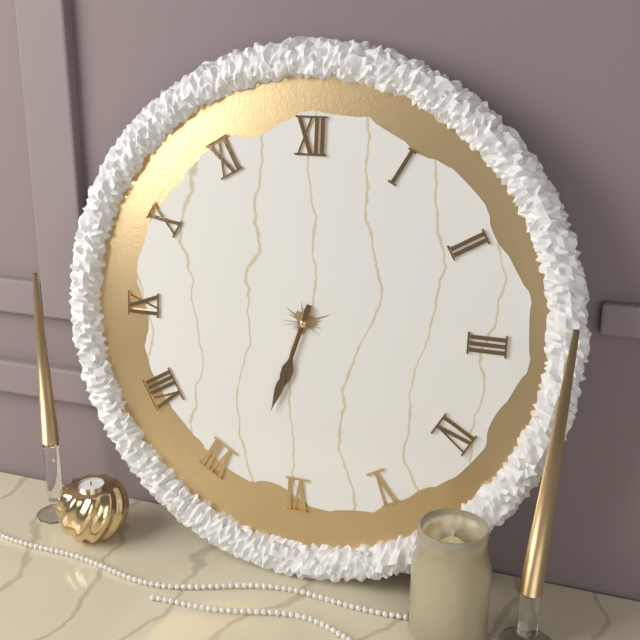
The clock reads 6h33
